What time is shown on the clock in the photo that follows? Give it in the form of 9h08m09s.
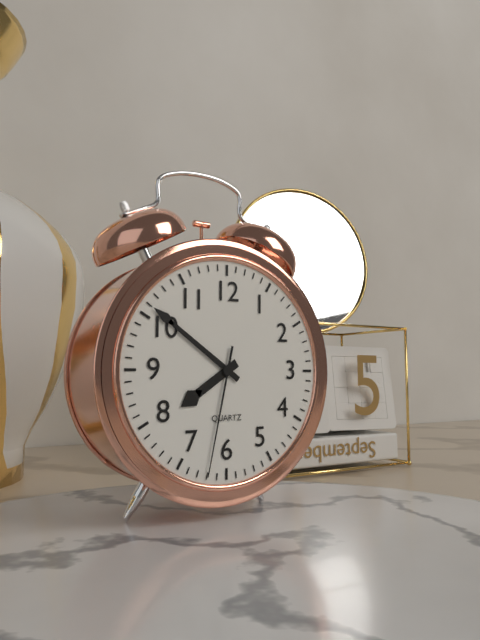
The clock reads 7h51m32s
